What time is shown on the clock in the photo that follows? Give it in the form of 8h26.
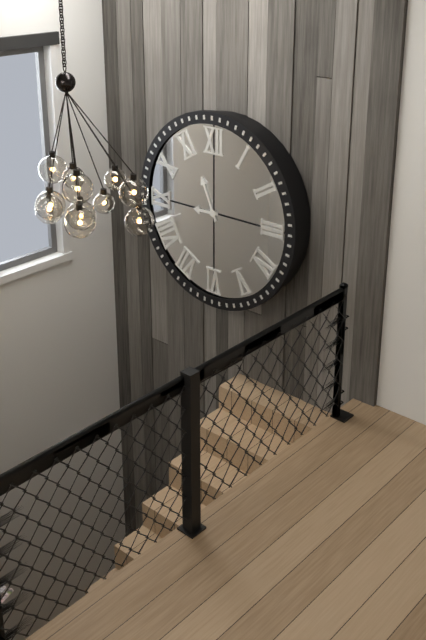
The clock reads 8h56
